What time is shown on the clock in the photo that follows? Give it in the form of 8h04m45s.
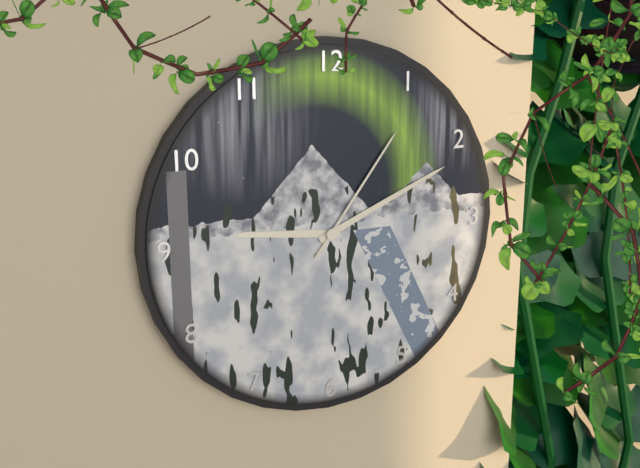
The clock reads 9h11m06s
